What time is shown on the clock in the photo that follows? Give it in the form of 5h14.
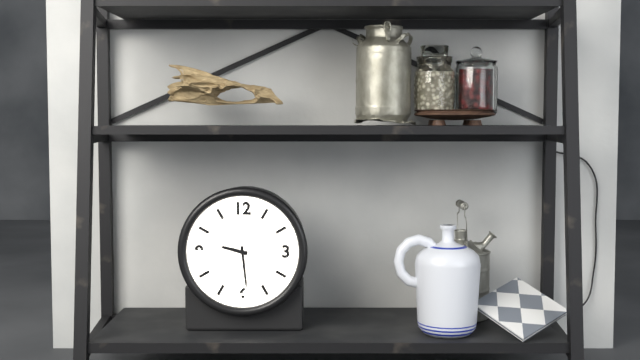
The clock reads 9h29
